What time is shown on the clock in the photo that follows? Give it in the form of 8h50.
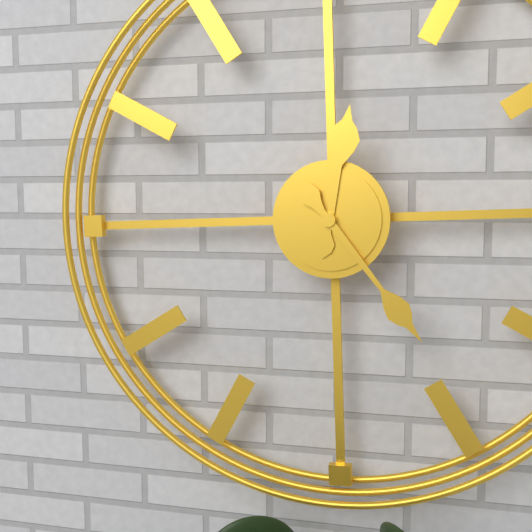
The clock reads 12h24
